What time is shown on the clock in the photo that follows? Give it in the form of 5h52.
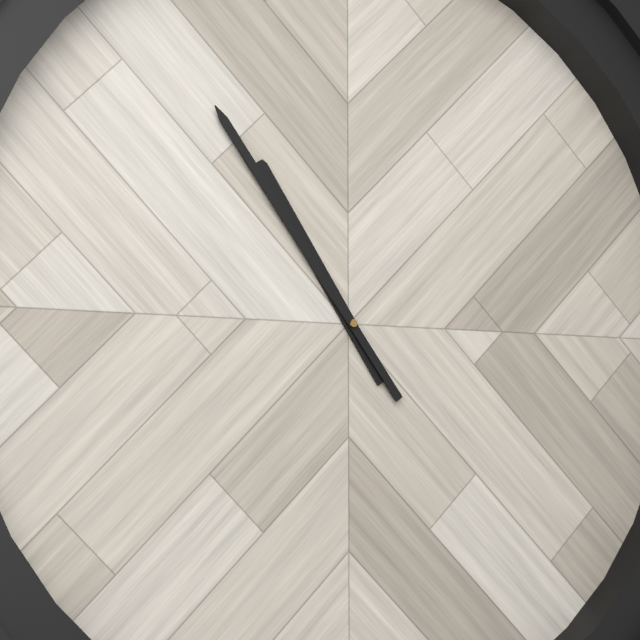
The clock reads 10h54
